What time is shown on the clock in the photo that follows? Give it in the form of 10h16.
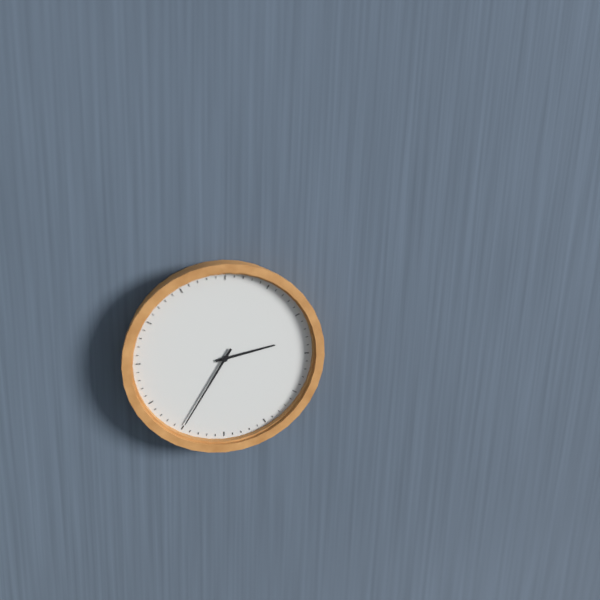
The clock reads 2h35
